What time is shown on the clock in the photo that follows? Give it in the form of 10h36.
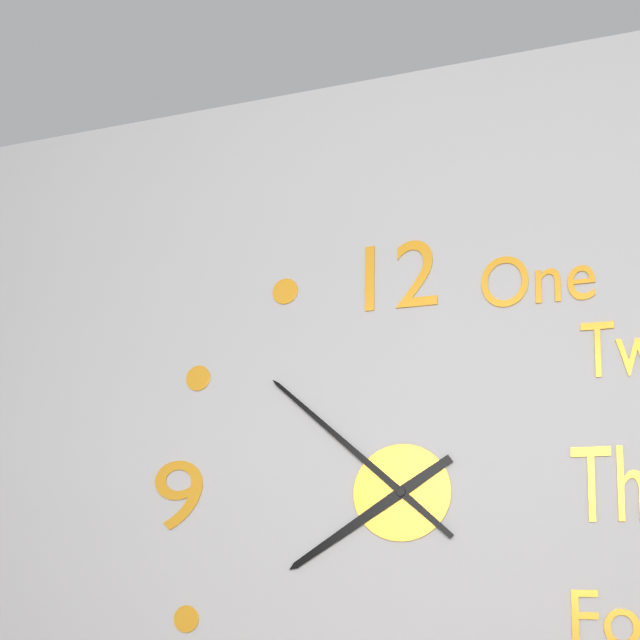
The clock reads 7h52
